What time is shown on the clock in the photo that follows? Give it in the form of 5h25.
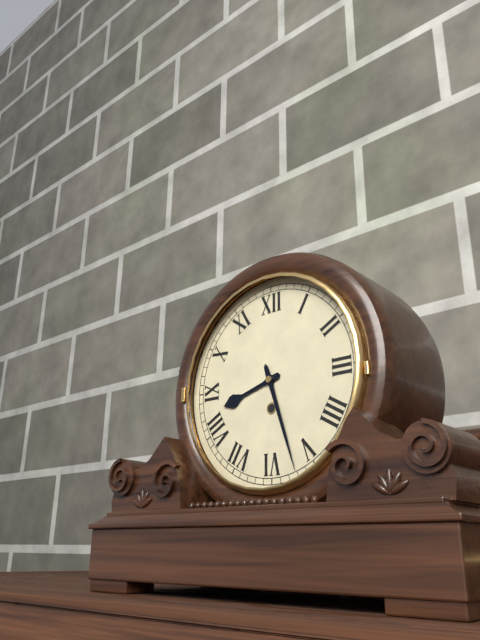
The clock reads 8h27
